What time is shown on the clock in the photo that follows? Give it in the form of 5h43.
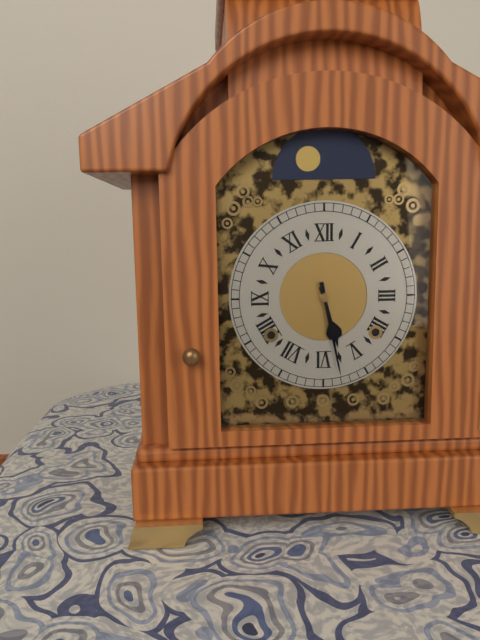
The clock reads 5h28
